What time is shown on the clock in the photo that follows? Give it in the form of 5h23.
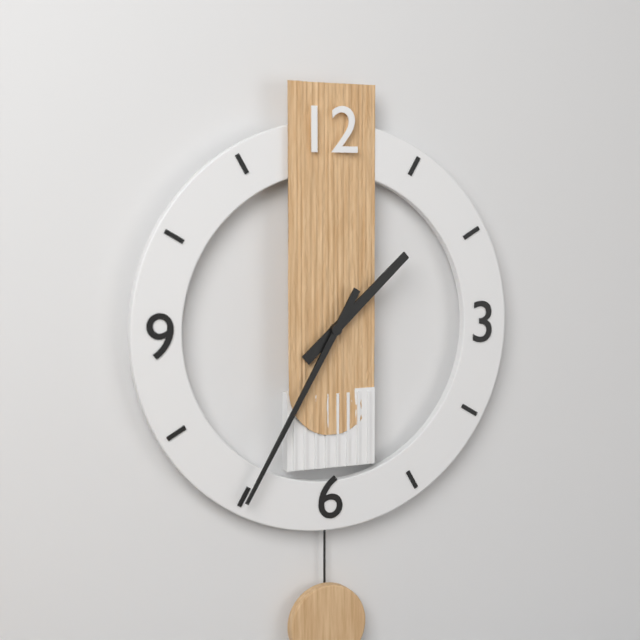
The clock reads 1h35
